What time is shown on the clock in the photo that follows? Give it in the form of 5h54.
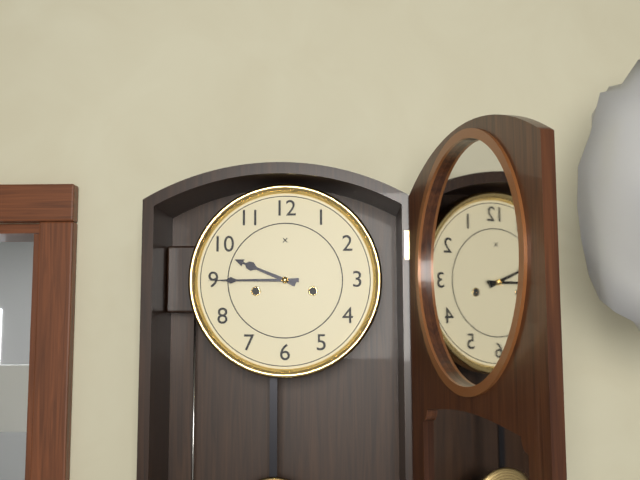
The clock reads 9h45
